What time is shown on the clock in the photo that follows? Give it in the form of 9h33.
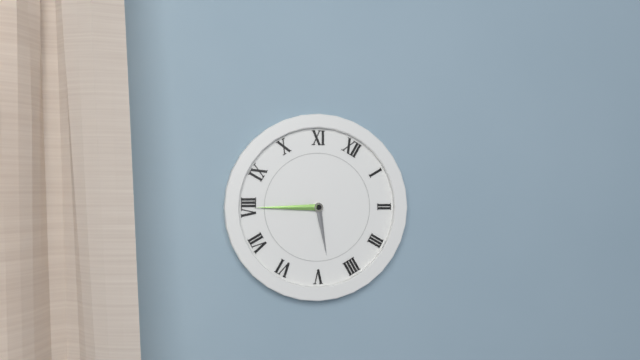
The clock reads 4h40
